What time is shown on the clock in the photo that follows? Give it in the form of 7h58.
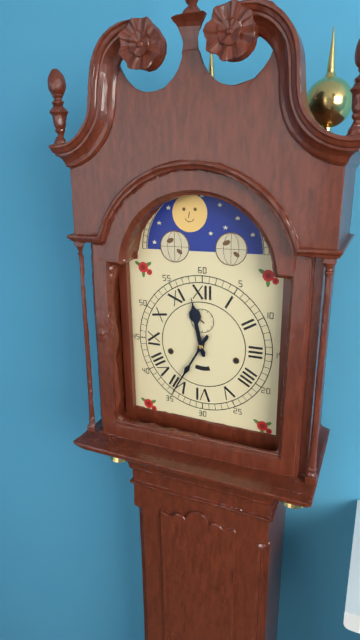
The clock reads 11h35
